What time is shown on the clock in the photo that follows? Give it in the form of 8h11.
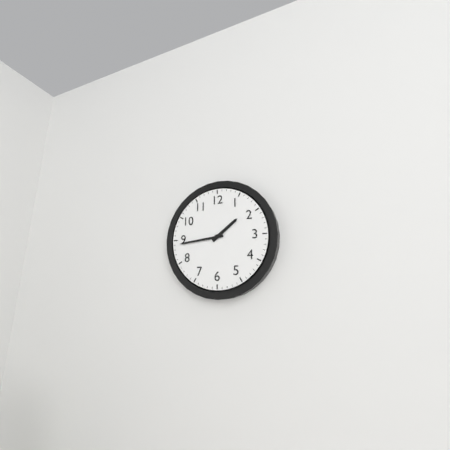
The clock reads 1h44
